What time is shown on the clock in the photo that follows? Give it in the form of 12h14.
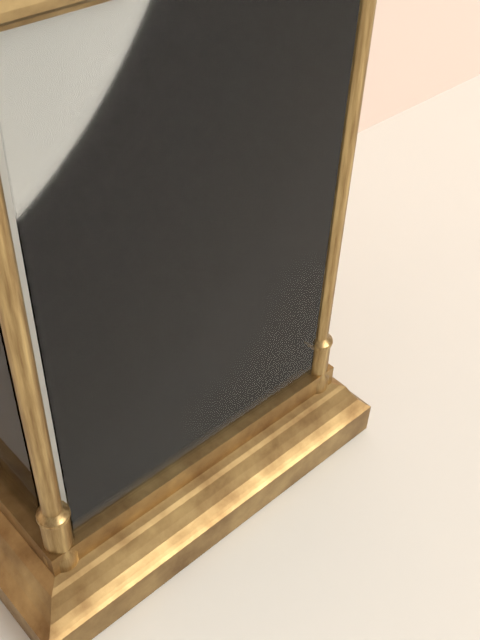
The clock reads 9h12
